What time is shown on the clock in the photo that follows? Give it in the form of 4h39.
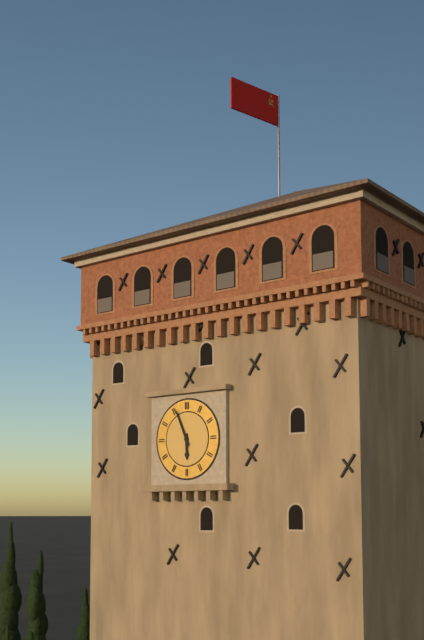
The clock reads 5h56
